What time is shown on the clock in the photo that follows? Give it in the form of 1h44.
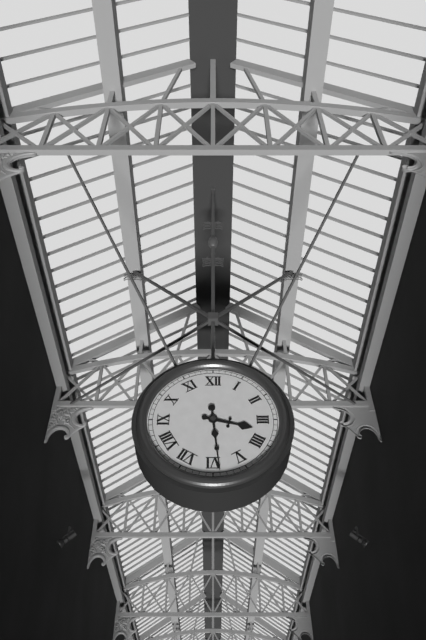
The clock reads 3h29
